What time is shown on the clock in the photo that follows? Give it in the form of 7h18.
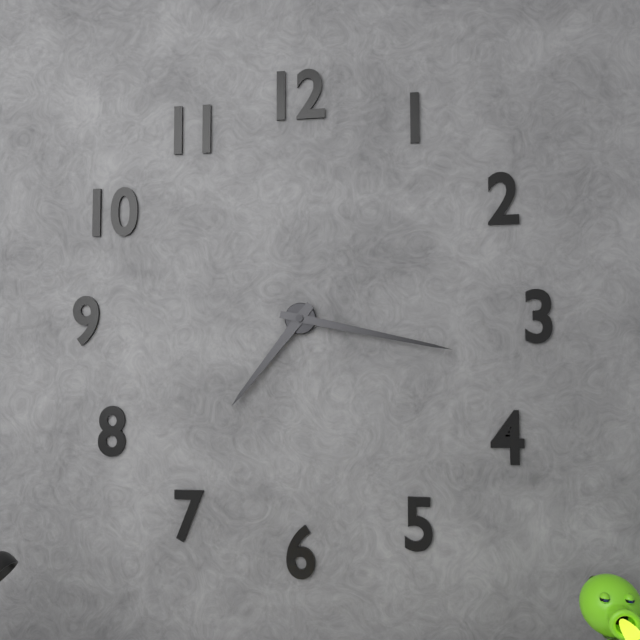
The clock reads 7h17
